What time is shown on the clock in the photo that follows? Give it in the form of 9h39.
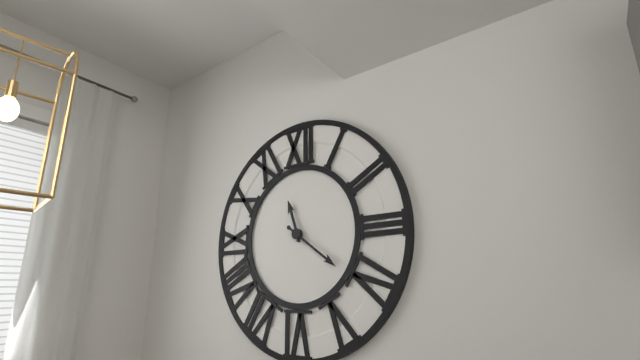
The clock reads 11h21
